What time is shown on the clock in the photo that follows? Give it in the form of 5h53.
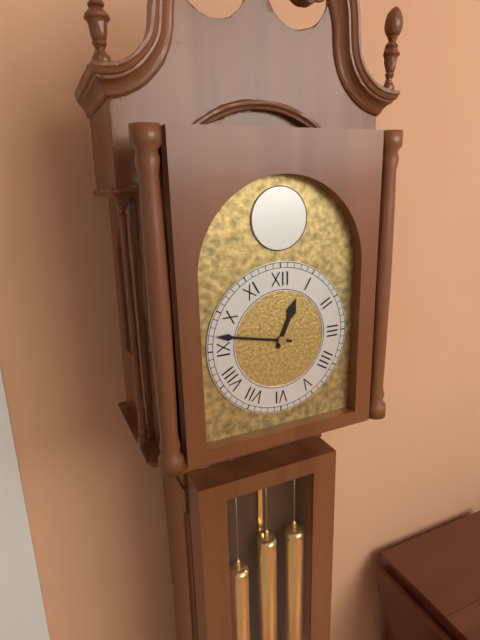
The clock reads 12h47
